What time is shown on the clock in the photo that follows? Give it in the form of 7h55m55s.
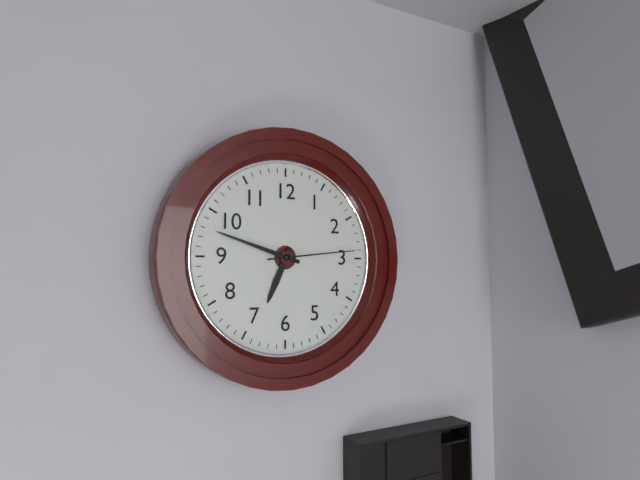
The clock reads 6h48m14s
